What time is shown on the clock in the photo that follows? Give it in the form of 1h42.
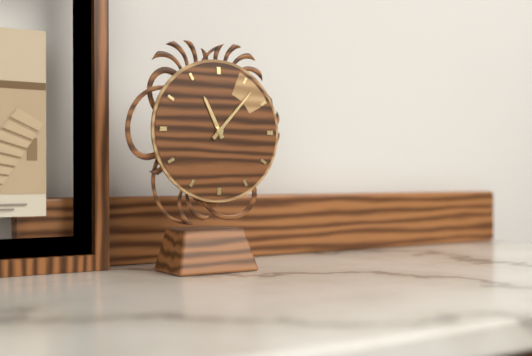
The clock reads 11h07
